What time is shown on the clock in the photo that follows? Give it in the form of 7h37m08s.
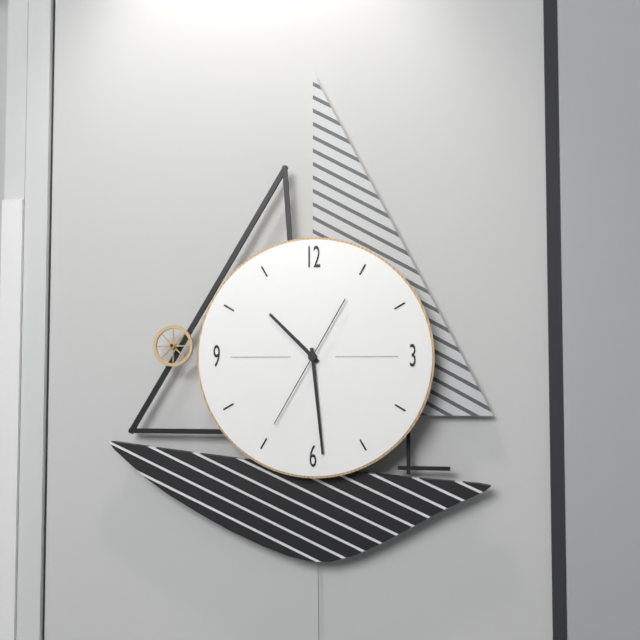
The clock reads 10h29m35s
